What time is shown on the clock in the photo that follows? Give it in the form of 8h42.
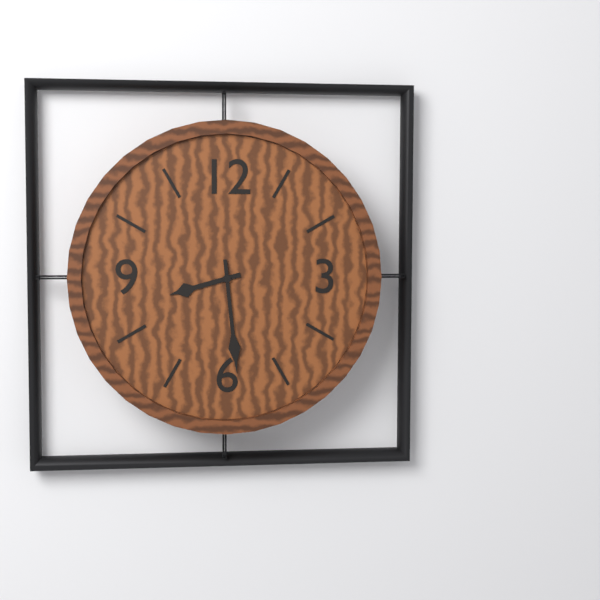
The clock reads 8h29
